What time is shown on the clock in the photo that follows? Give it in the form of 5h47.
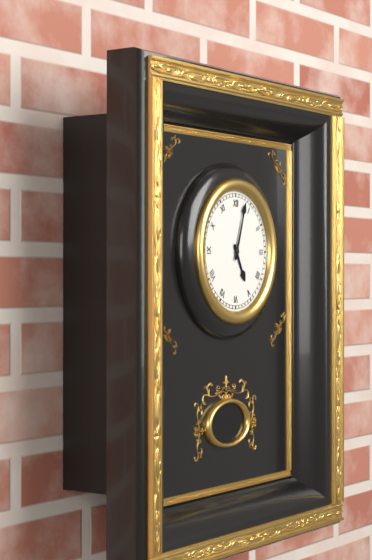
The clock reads 5h03
